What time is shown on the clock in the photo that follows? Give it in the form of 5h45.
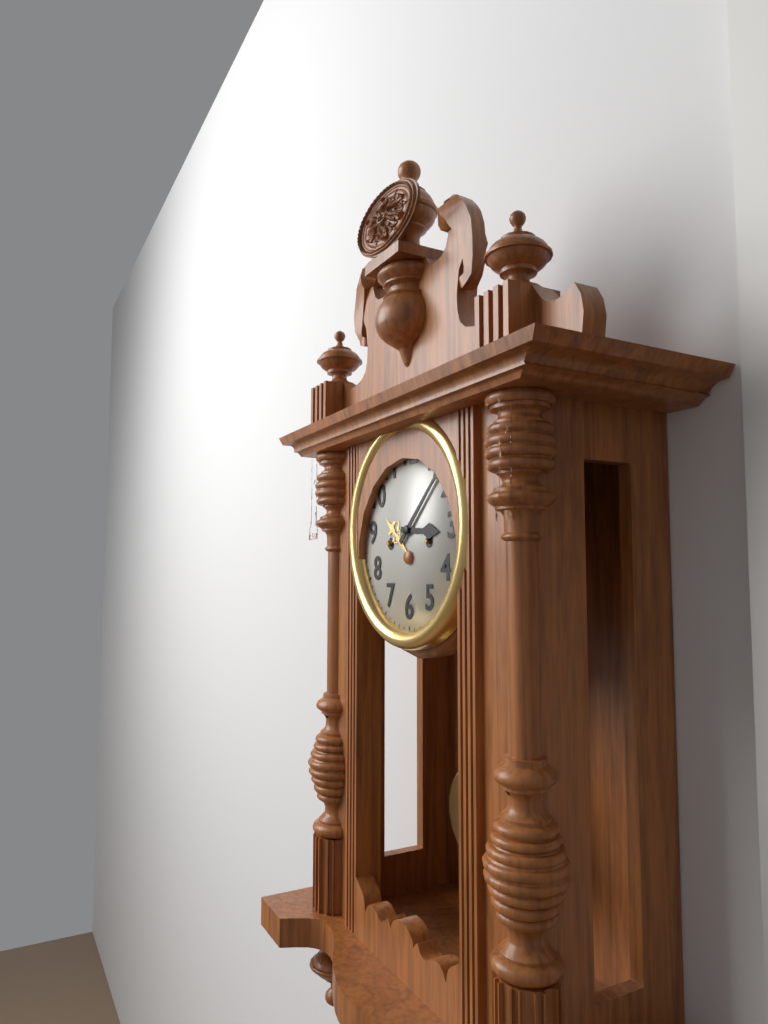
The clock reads 3h08
